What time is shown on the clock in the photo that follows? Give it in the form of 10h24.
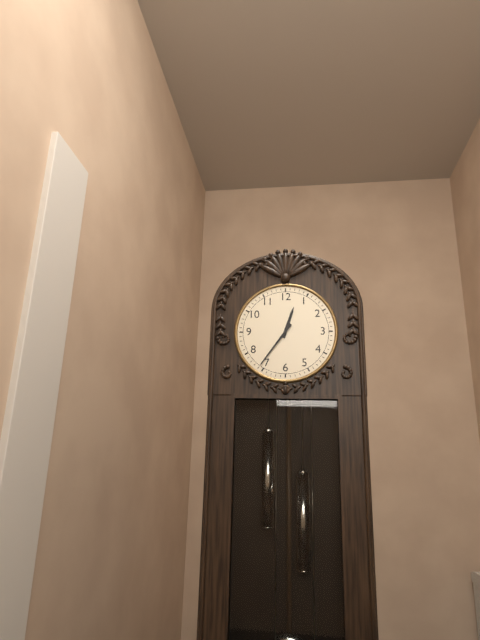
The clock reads 12h36
